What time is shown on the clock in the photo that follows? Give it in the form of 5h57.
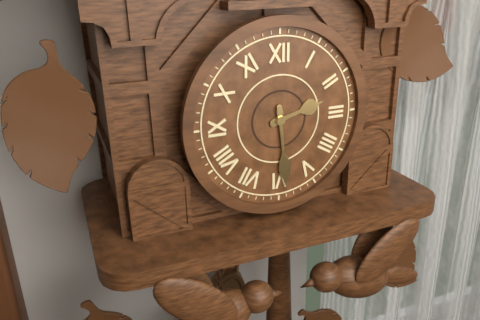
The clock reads 2h29
